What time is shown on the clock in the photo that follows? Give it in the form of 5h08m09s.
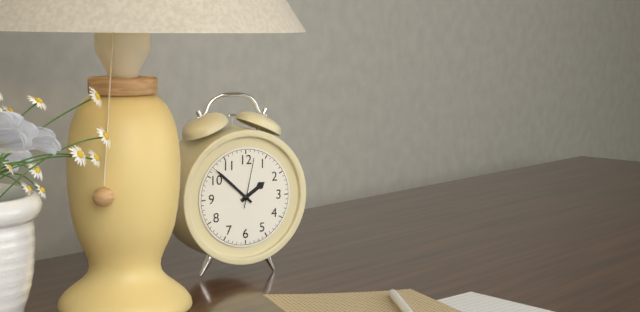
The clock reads 1h52m02s
